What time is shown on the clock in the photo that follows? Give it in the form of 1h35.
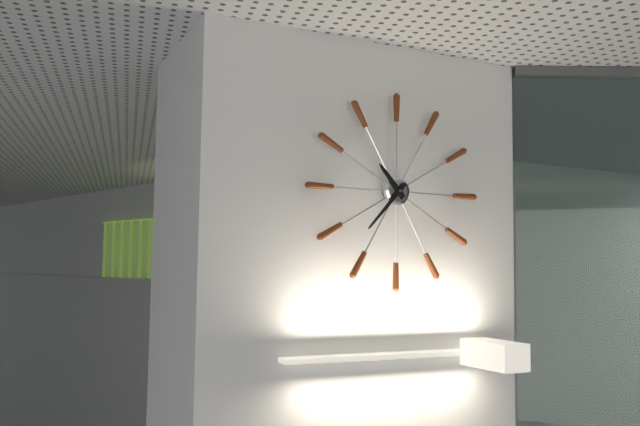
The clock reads 10h37
